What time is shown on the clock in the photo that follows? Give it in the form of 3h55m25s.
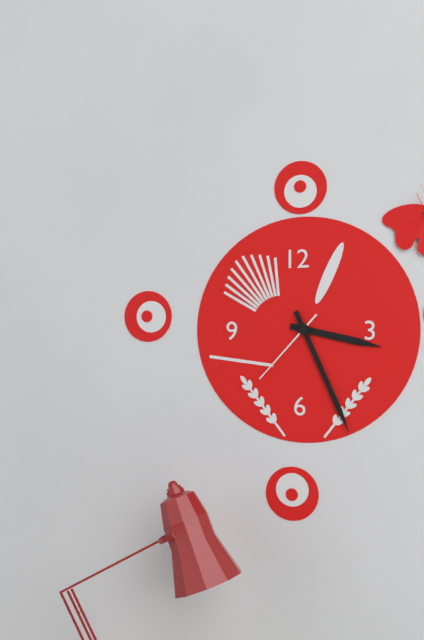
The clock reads 3h26m37s
